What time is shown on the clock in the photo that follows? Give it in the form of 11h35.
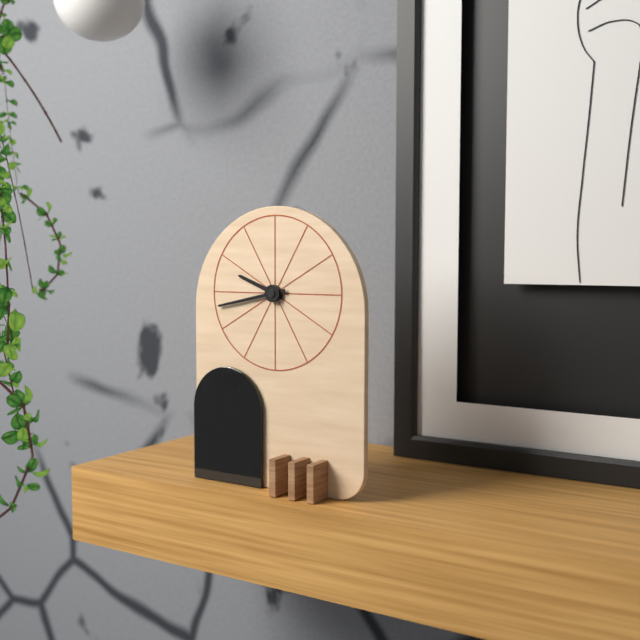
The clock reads 9h43
